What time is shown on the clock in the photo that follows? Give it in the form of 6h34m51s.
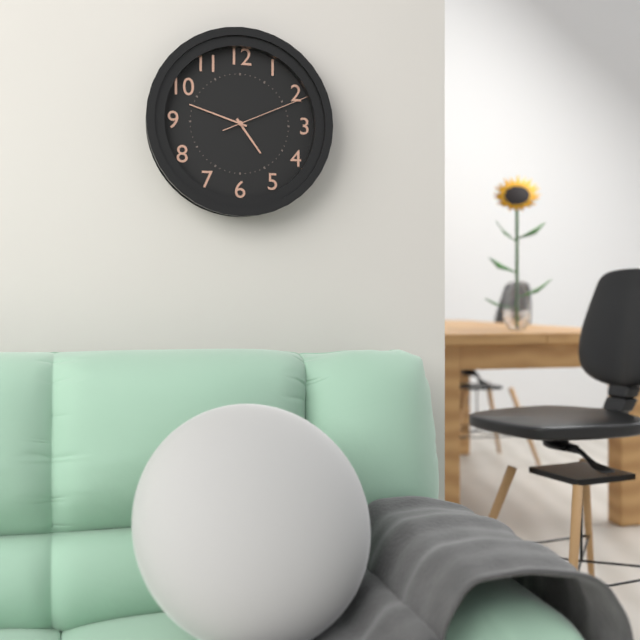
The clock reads 4h48m11s
